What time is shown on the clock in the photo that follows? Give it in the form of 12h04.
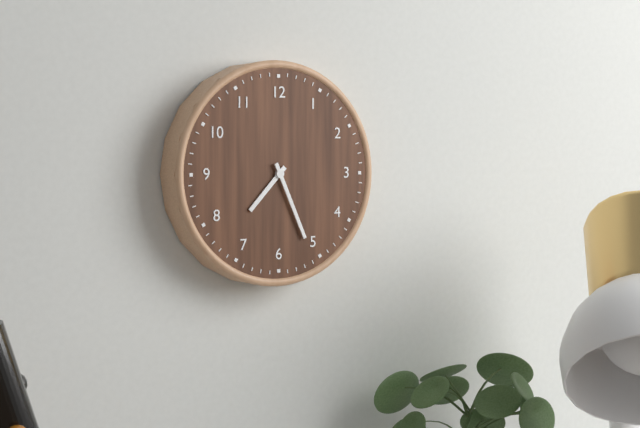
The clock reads 7h26
